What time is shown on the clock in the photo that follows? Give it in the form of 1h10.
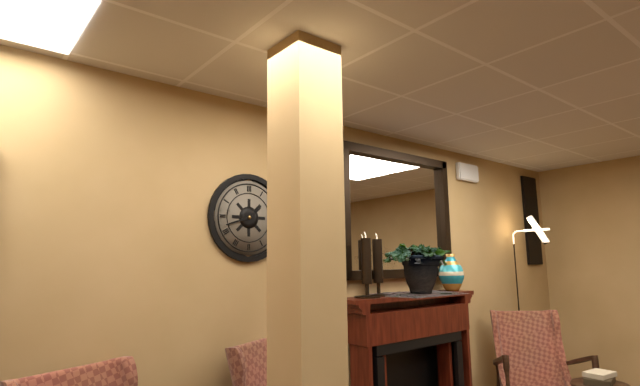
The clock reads 1h42
